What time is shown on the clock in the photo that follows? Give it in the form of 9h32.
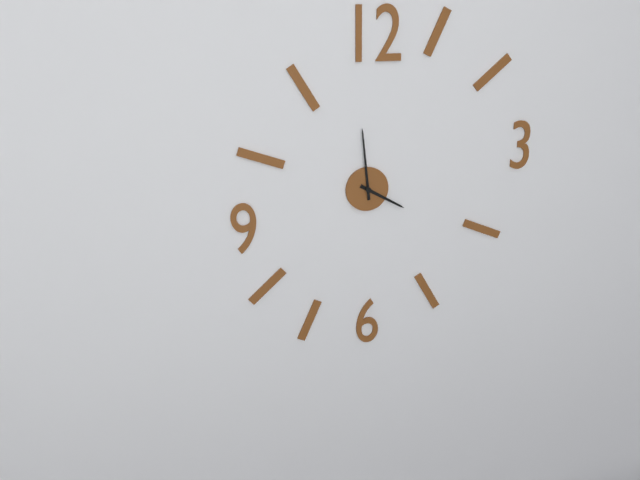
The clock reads 3h59
